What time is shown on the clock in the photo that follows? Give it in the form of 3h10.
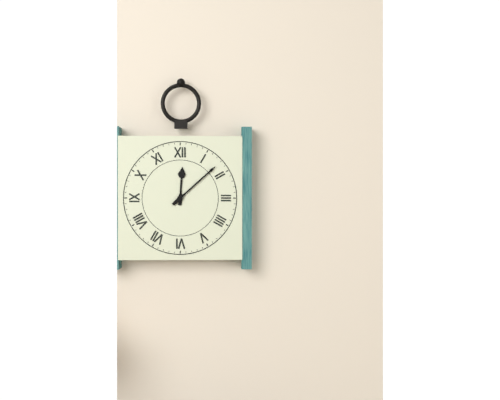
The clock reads 12h08
